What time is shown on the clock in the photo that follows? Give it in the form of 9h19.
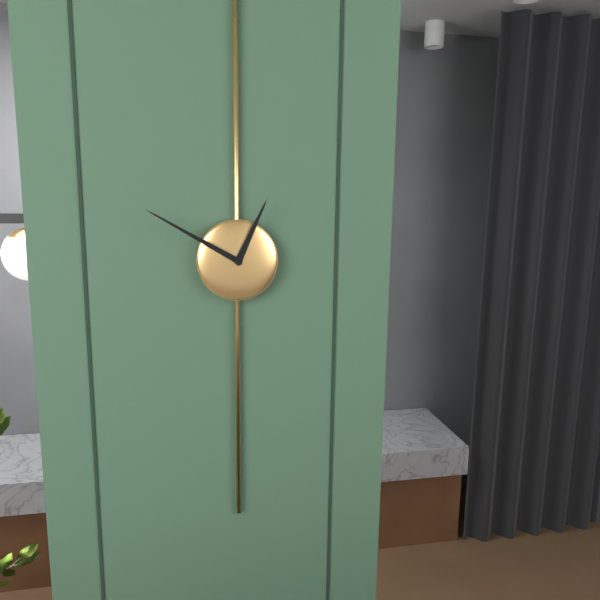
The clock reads 12h50
